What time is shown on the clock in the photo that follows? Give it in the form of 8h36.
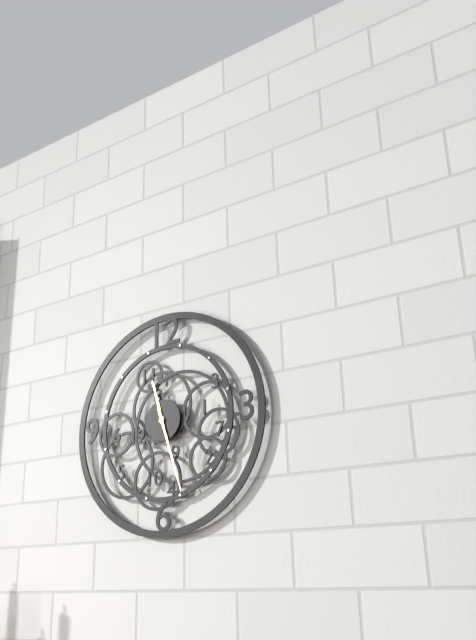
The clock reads 11h27
